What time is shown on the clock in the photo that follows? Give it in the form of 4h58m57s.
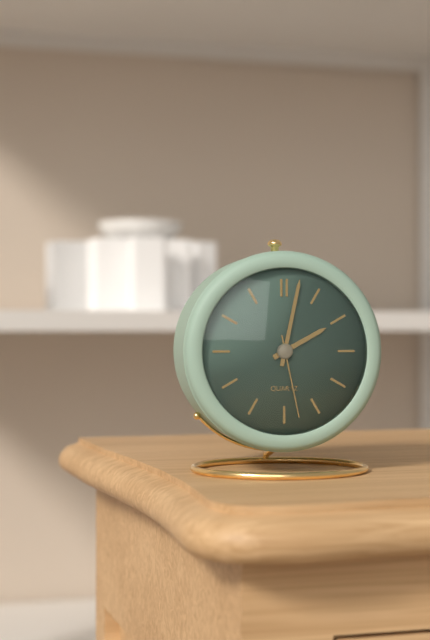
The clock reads 2h02m28s
